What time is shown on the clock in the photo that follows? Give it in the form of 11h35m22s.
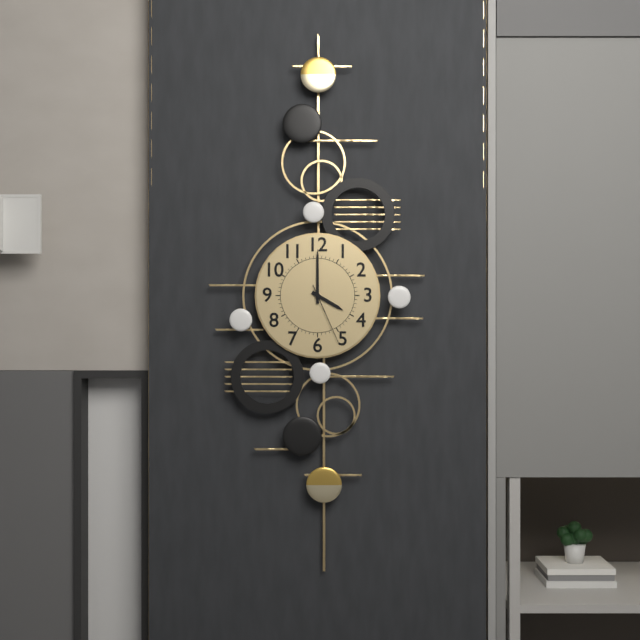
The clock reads 4h00m26s
